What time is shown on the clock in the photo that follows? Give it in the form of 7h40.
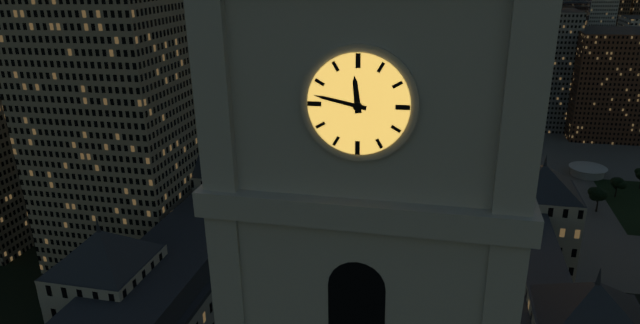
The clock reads 11h47
